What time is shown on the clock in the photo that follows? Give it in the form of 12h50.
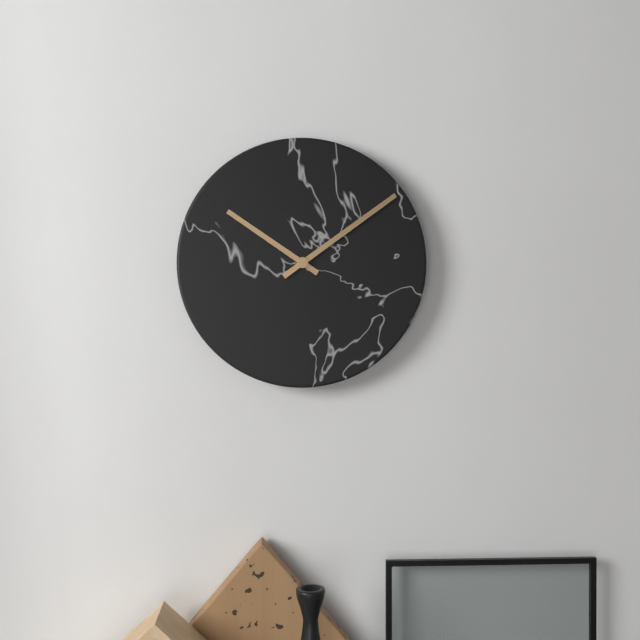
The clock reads 10h09
